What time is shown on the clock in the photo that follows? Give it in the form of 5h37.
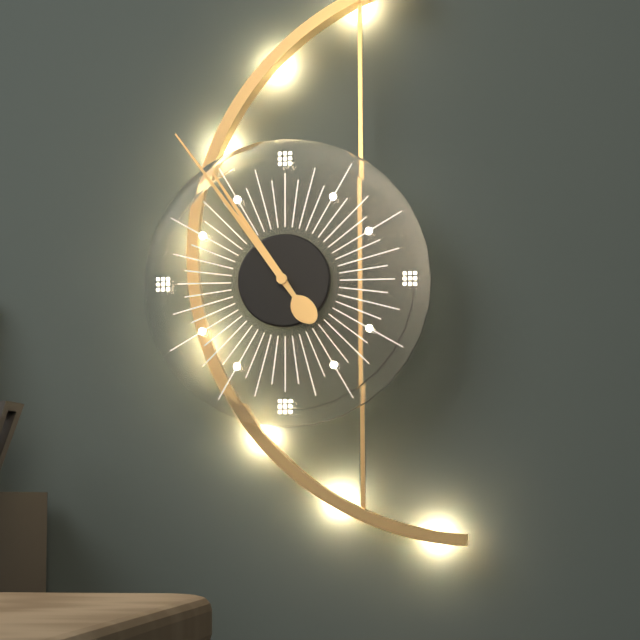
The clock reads 10h54
